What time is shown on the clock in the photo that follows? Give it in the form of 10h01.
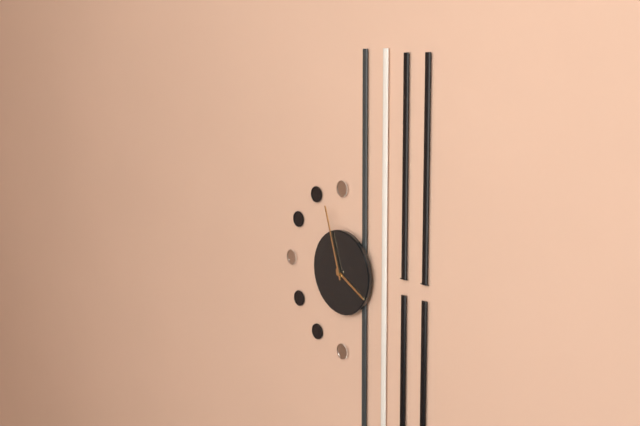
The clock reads 3h57
